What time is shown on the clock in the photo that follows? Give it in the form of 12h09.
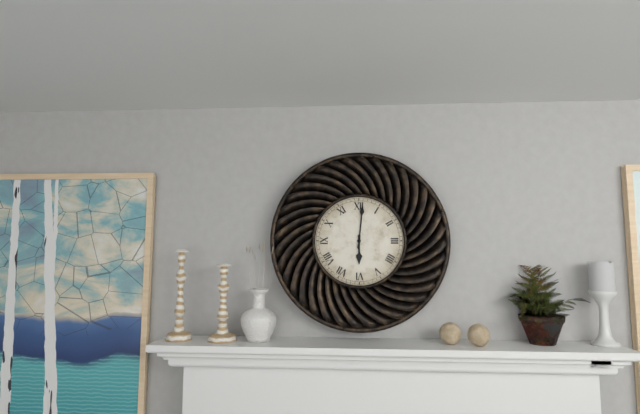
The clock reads 6h01
